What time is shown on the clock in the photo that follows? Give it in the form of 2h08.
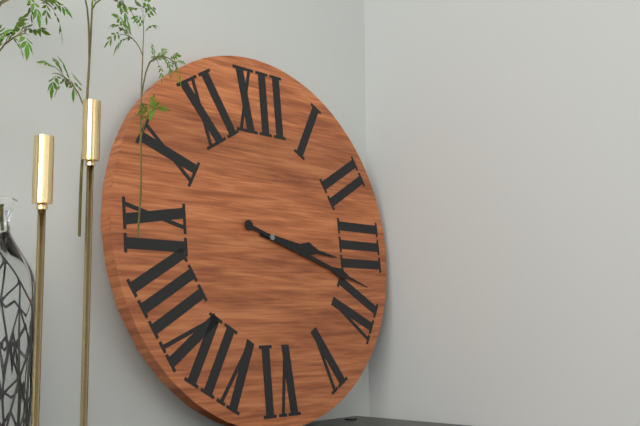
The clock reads 3h18
